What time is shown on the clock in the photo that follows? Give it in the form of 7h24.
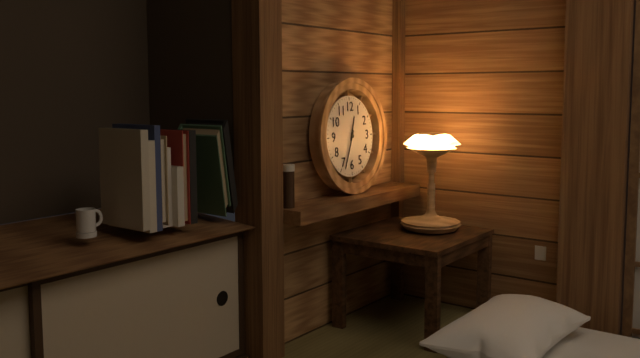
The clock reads 12h34
